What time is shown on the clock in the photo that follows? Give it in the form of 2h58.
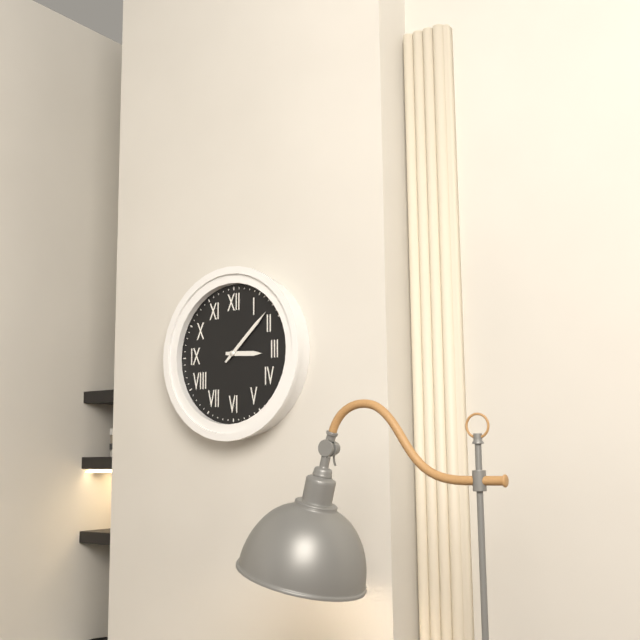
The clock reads 3h08
